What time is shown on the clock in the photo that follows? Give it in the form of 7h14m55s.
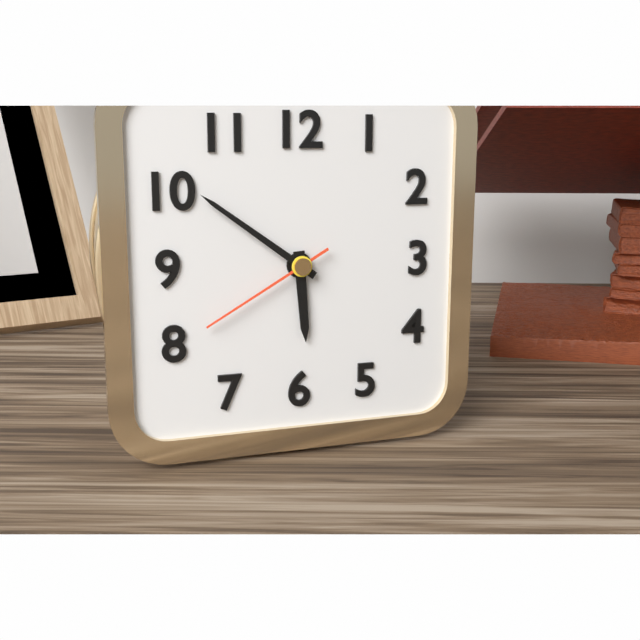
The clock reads 5h51m40s
